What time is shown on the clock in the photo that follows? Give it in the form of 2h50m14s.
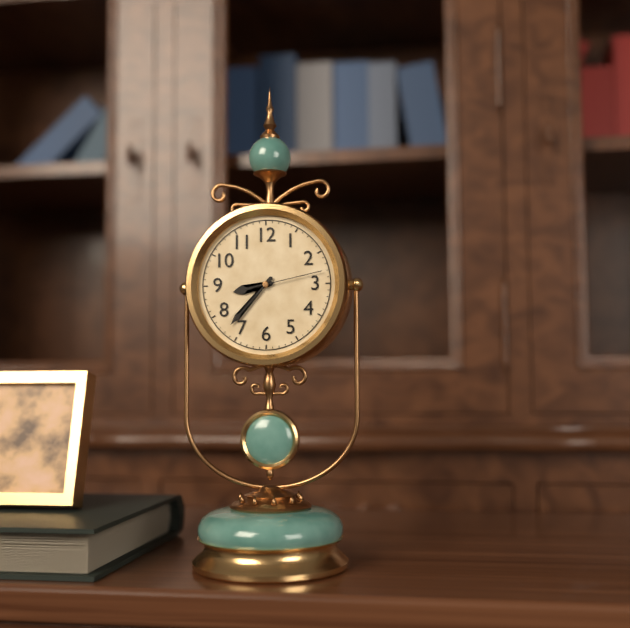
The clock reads 8h37m13s
